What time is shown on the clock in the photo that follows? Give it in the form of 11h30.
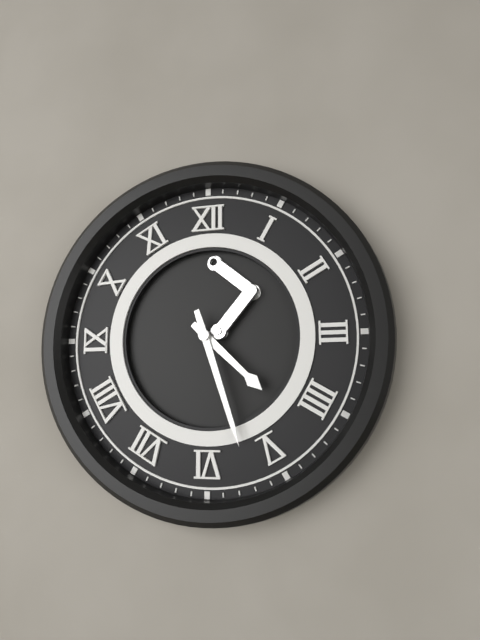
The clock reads 4h27
